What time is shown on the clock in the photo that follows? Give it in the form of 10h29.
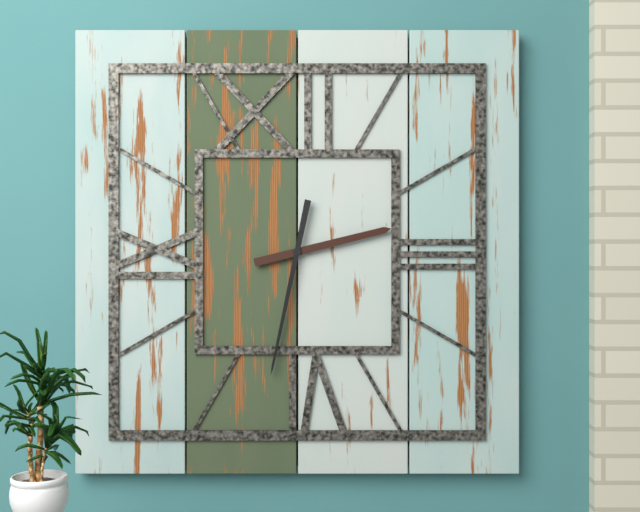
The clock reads 2h32
